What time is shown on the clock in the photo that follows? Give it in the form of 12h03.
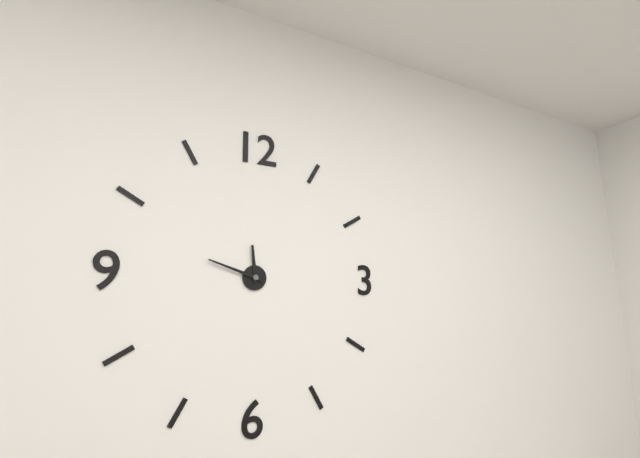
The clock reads 11h48
